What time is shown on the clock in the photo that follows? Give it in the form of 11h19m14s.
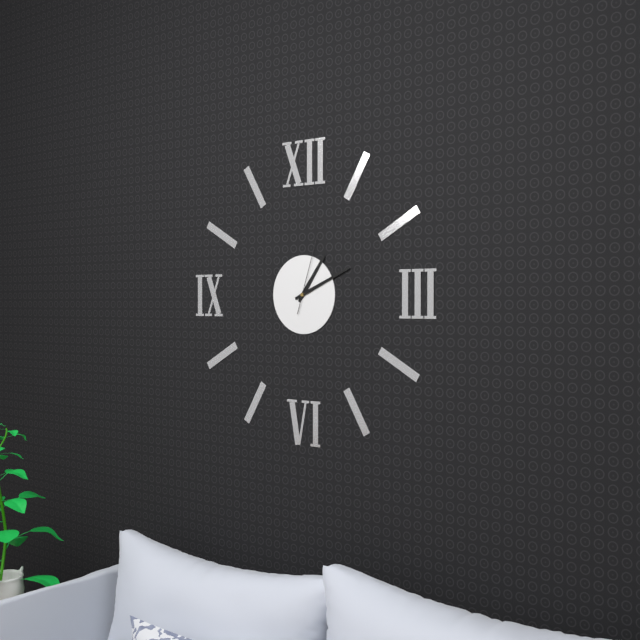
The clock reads 1h11m03s
